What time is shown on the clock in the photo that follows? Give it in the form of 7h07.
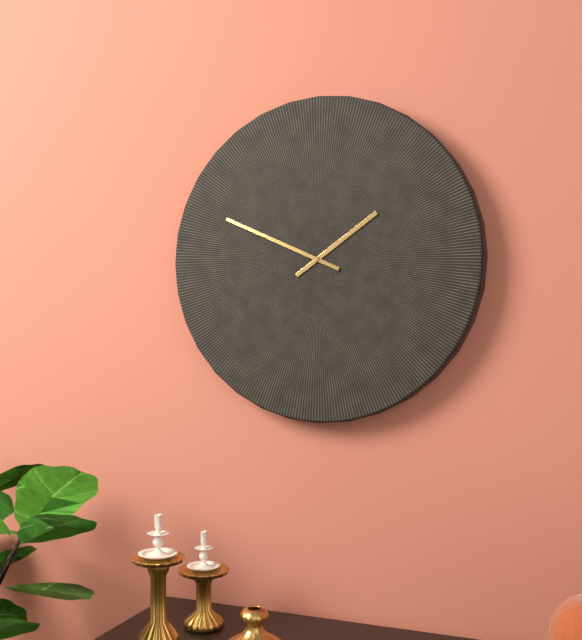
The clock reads 1h49
